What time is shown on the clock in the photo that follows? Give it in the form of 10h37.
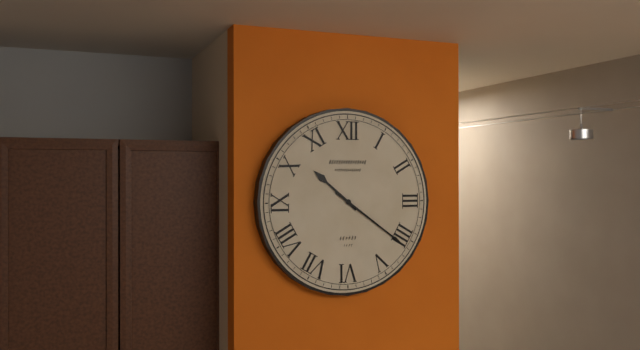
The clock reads 10h21
